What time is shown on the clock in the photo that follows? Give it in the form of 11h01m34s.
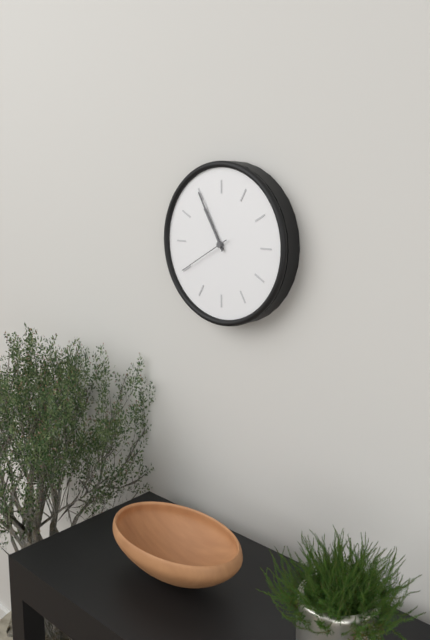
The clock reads 10h55m40s
